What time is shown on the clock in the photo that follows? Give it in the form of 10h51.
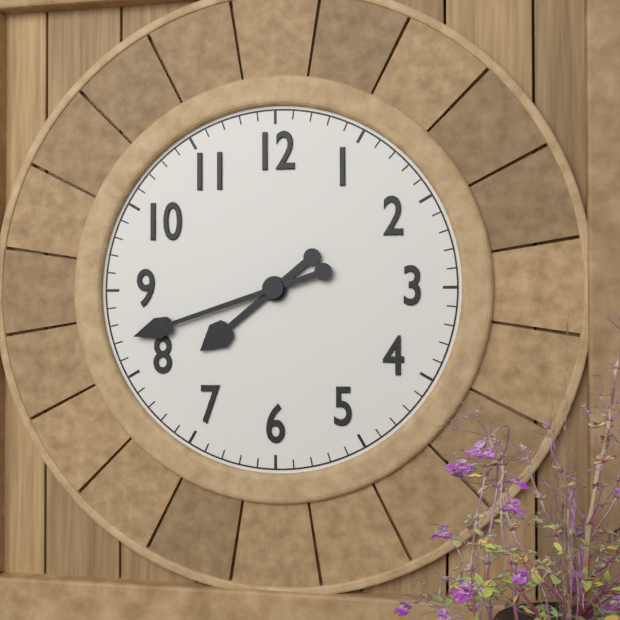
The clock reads 7h42
